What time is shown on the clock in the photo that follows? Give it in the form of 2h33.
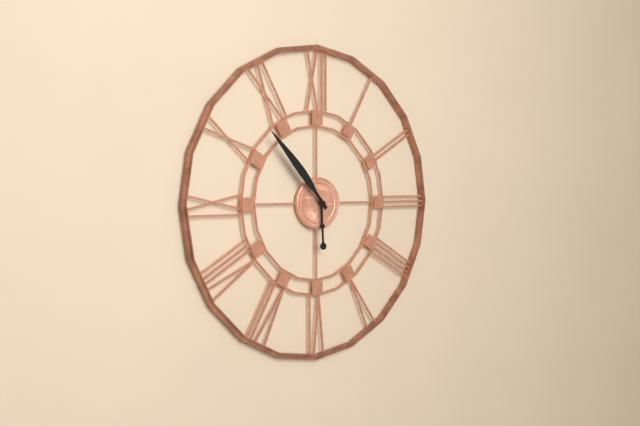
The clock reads 5h53
